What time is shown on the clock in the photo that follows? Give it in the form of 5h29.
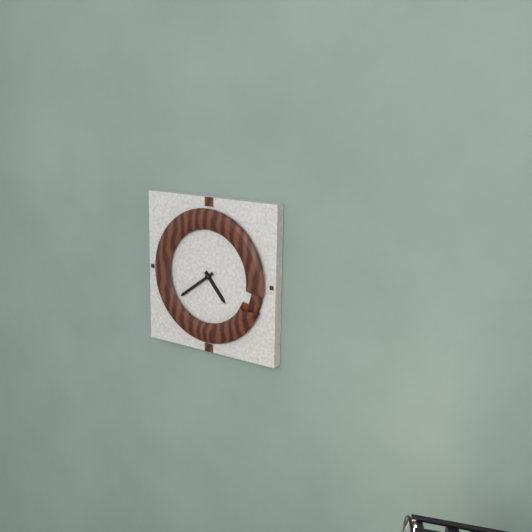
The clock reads 4h39
